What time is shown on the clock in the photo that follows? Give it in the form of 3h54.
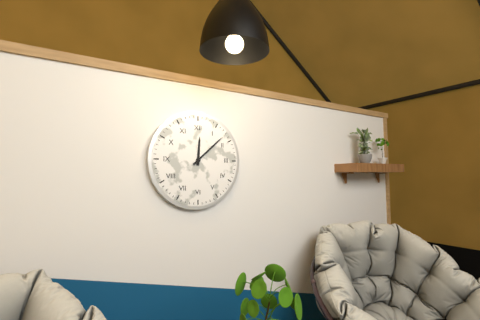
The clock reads 12h08
